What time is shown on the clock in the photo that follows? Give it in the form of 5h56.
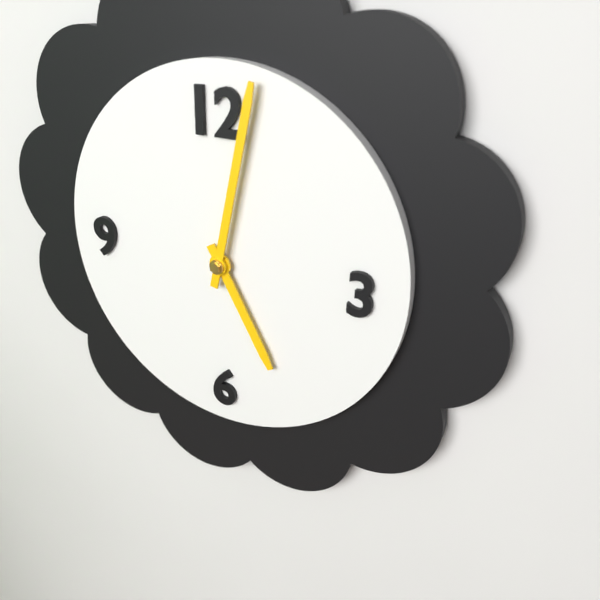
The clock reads 5h02
